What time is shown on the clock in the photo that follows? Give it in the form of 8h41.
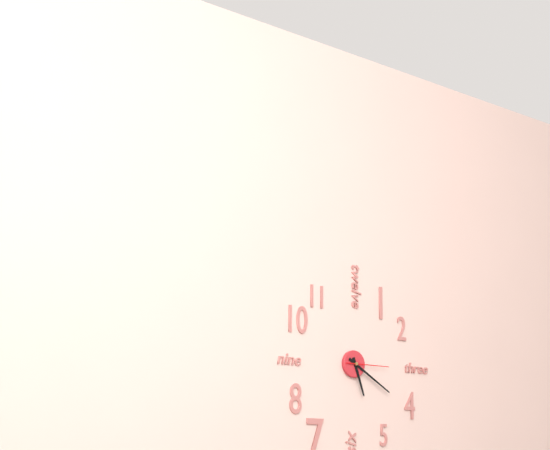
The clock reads 5h20
